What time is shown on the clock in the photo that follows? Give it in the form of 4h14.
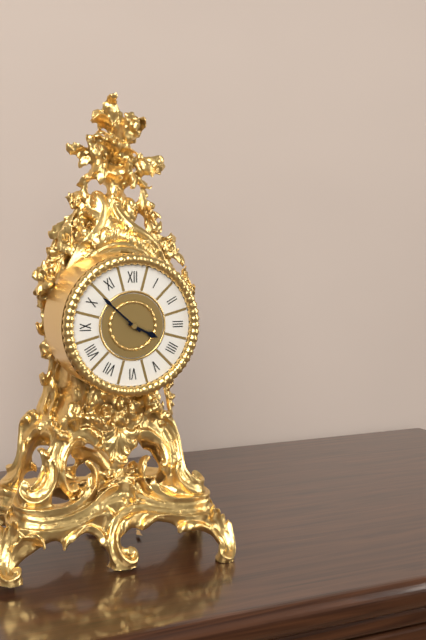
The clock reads 3h52
